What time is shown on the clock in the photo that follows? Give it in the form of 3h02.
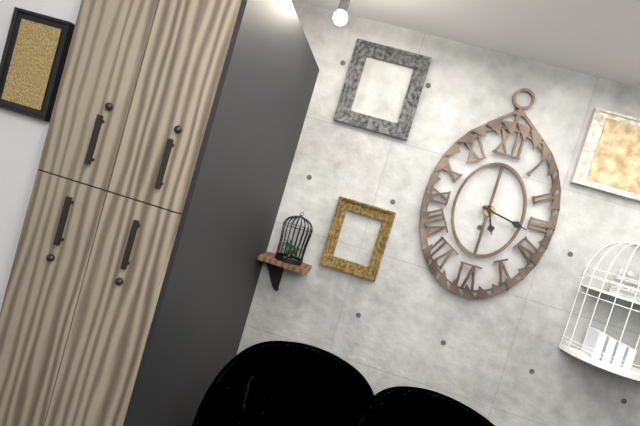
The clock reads 5h17
